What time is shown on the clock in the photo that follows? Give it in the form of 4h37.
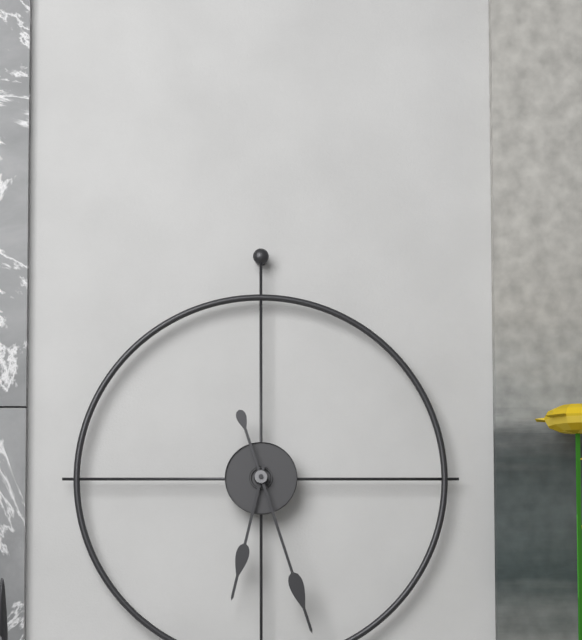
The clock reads 6h27
